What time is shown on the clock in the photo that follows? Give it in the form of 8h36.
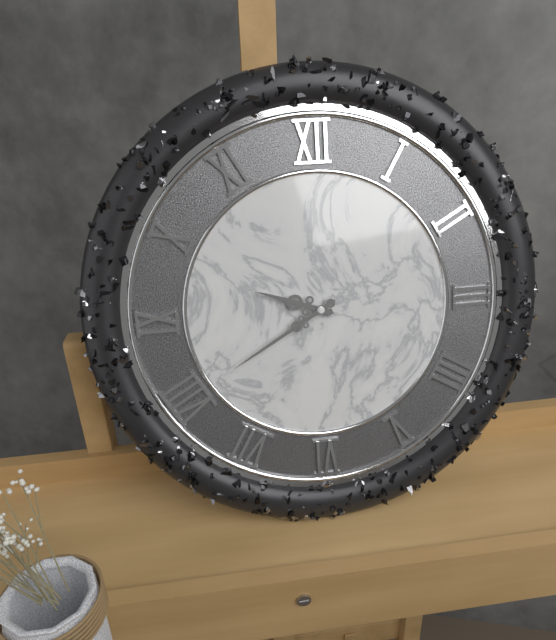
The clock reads 9h40
